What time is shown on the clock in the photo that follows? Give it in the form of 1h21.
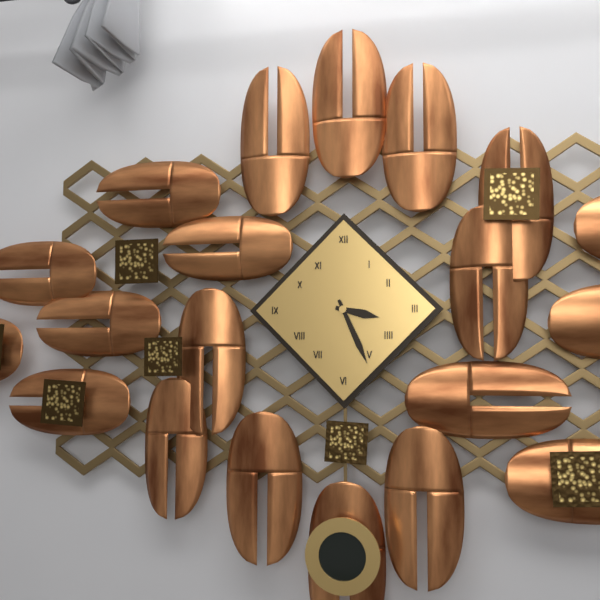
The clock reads 3h26
